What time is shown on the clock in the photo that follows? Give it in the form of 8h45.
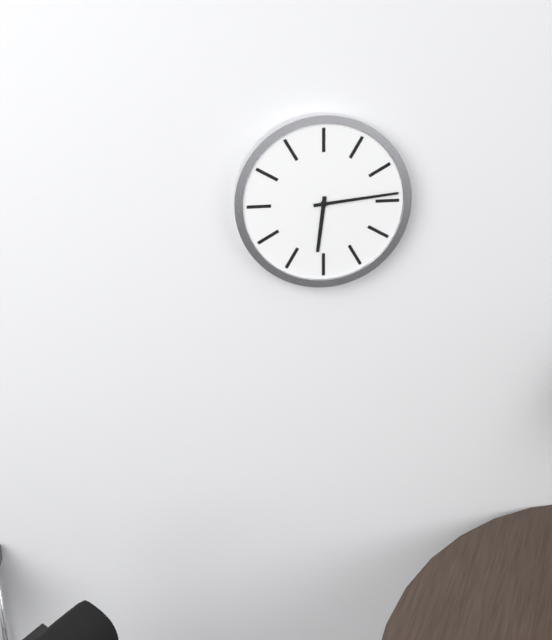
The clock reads 6h14
